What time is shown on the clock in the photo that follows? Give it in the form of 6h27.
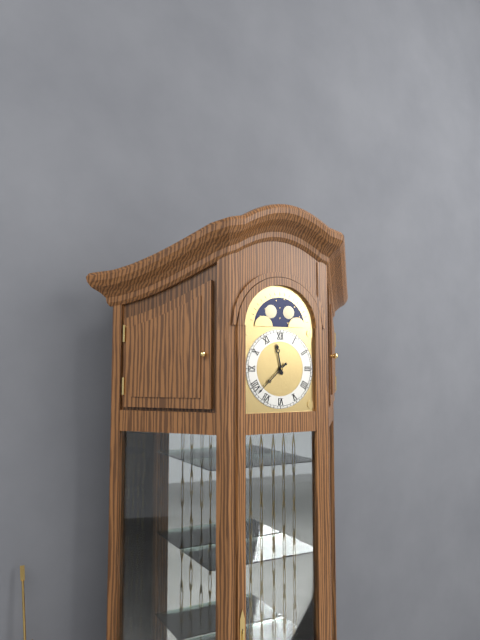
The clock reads 11h38
